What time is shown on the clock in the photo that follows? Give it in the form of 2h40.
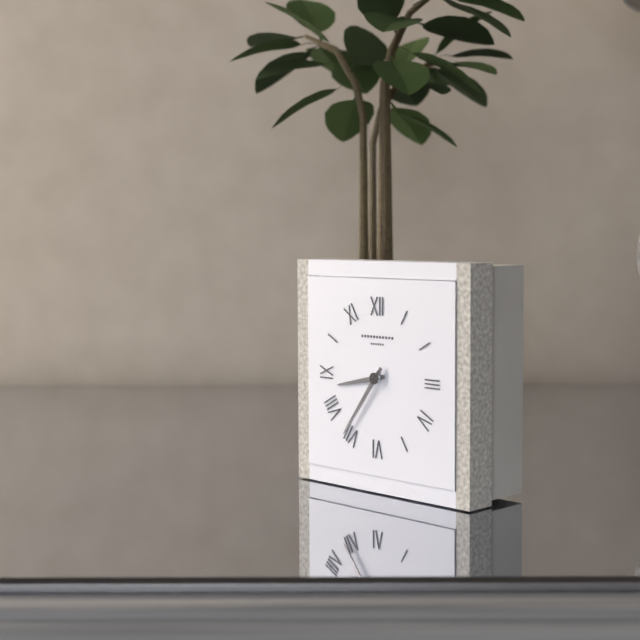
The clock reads 8h36
